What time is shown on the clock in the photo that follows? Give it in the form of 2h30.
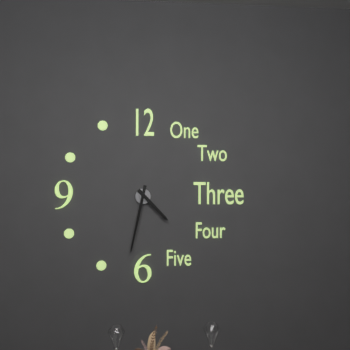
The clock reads 4h32
